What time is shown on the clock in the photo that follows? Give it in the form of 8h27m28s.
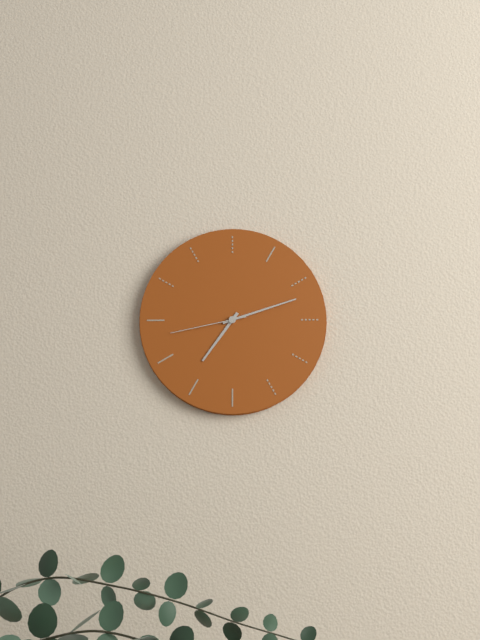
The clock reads 7h12m43s
